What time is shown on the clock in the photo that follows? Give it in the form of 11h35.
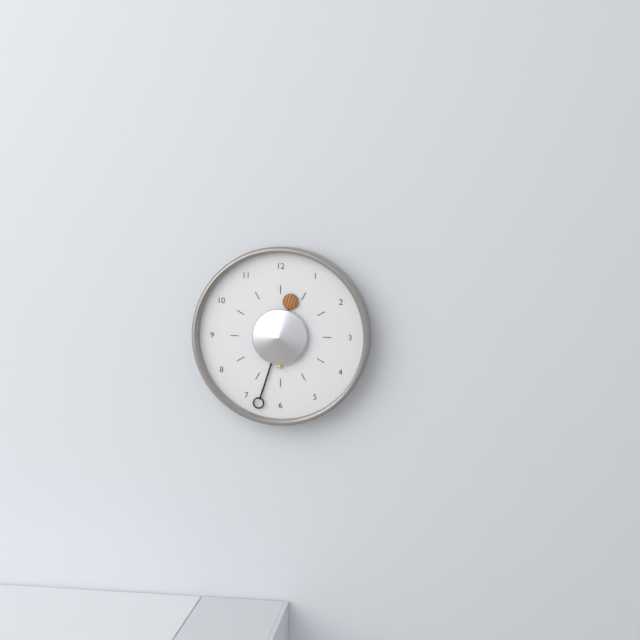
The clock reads 12h33
